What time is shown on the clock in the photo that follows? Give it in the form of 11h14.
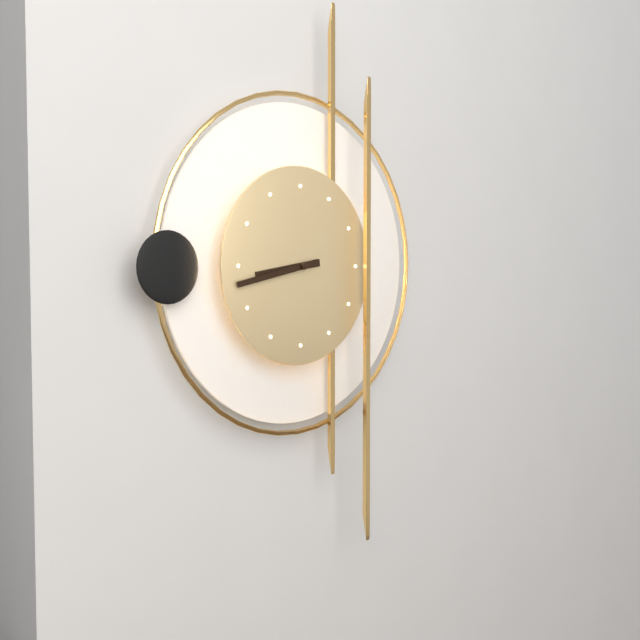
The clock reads 8h43
